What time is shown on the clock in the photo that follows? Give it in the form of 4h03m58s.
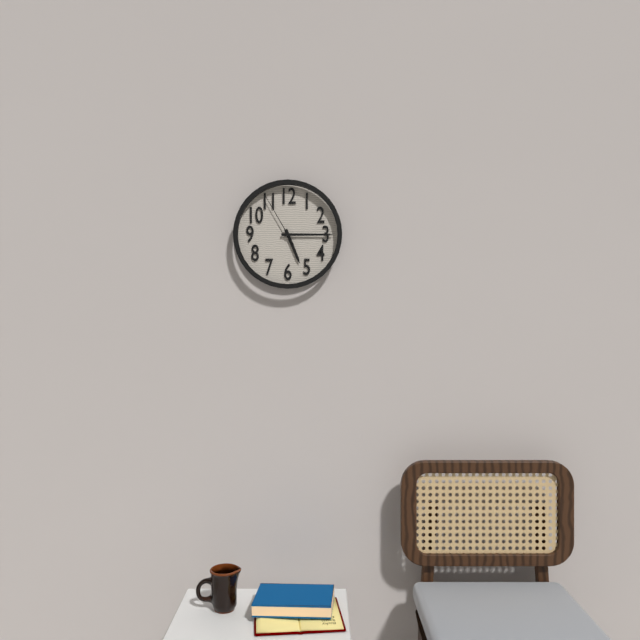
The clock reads 5h15m55s
